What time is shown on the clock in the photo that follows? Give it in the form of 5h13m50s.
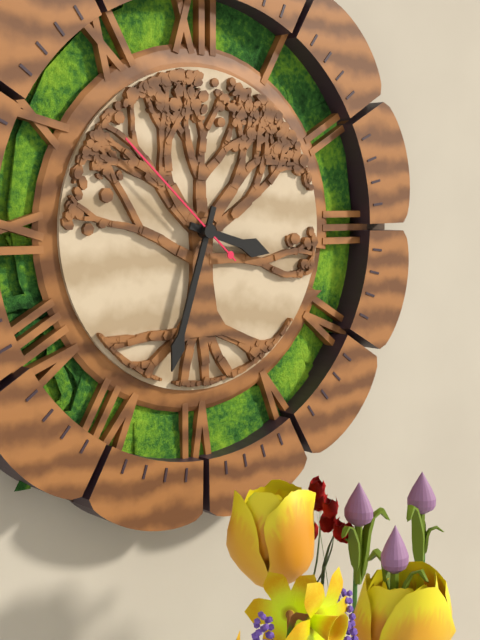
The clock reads 3h33m52s
